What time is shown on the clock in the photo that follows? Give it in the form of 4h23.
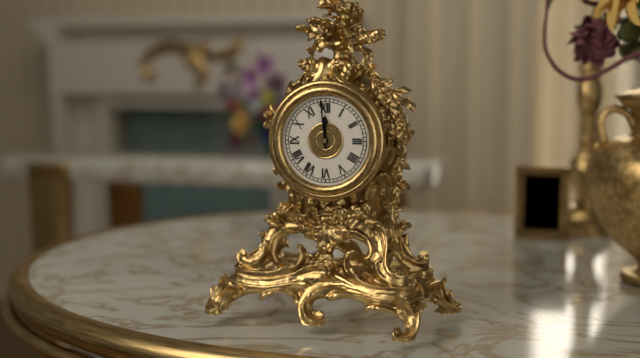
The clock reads 11h59
